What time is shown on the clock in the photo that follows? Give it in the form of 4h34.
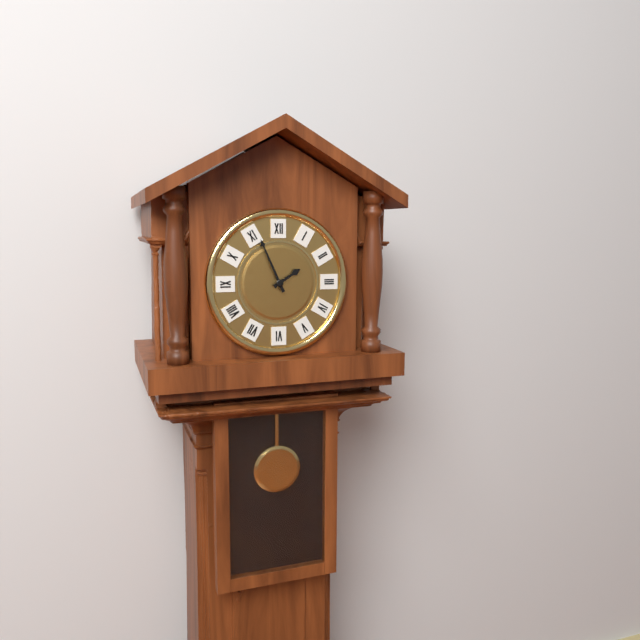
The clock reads 1h56
